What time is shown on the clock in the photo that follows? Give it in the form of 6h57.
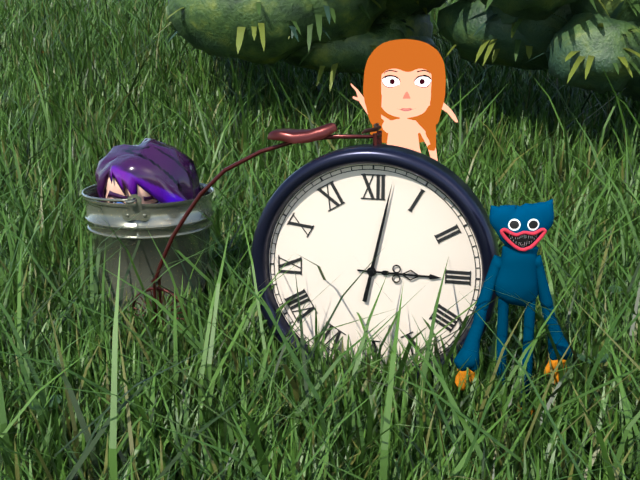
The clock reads 3h02
